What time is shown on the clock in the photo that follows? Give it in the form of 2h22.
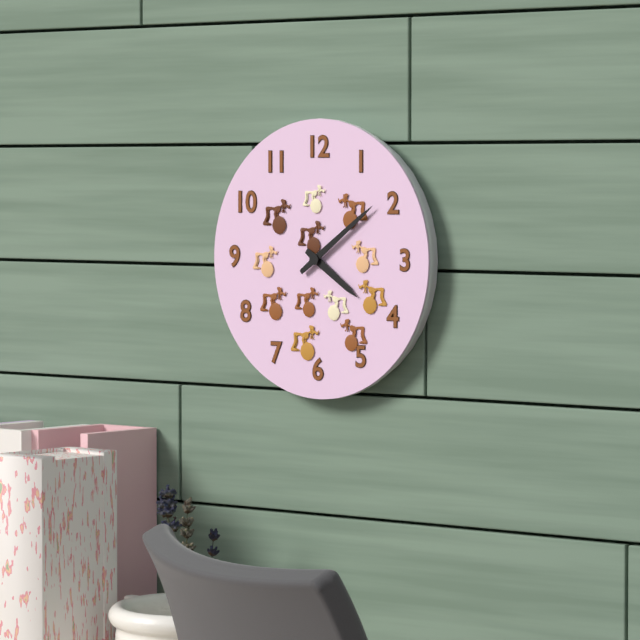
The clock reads 4h09
